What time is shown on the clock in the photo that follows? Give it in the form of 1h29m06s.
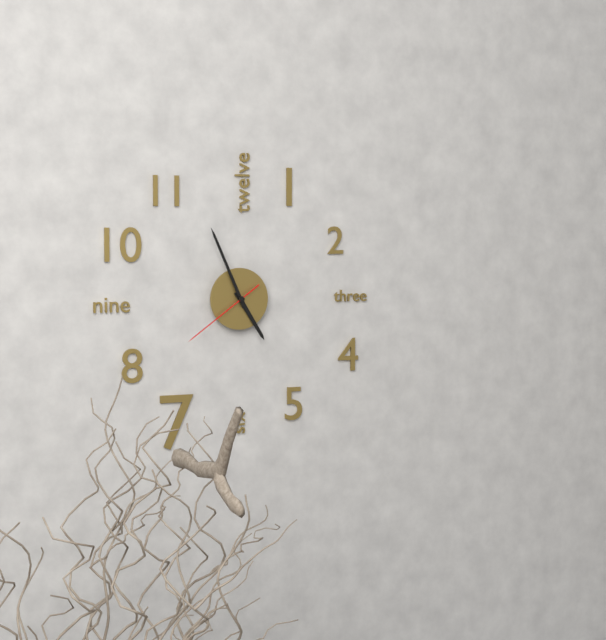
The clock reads 4h56m39s
